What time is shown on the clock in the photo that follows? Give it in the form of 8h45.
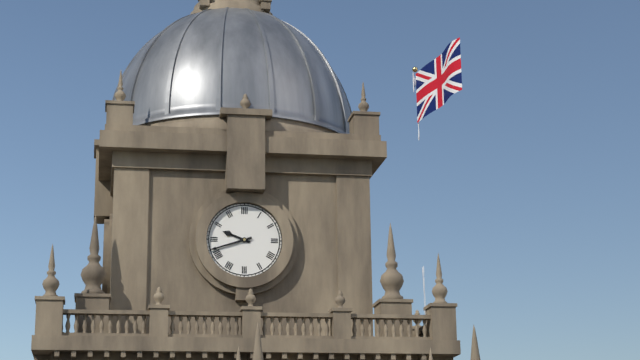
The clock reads 9h42
